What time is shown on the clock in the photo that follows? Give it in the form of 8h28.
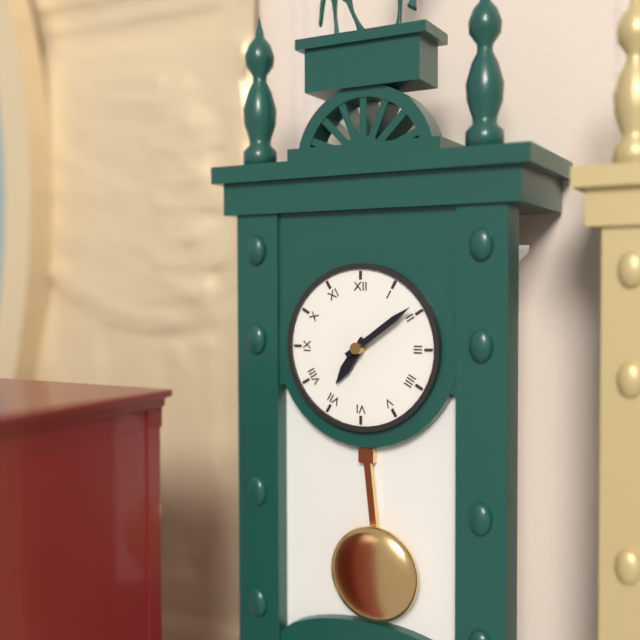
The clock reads 7h09
